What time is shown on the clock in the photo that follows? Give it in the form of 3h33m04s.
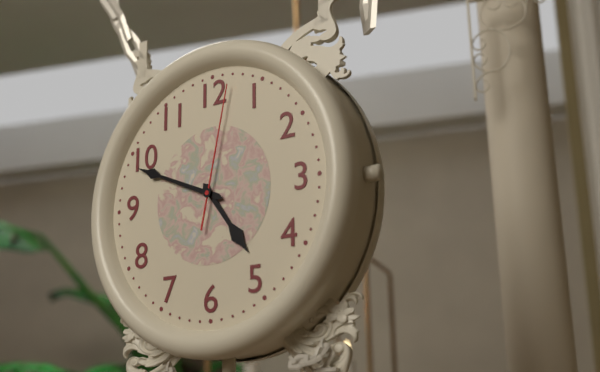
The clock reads 4h49m02s
